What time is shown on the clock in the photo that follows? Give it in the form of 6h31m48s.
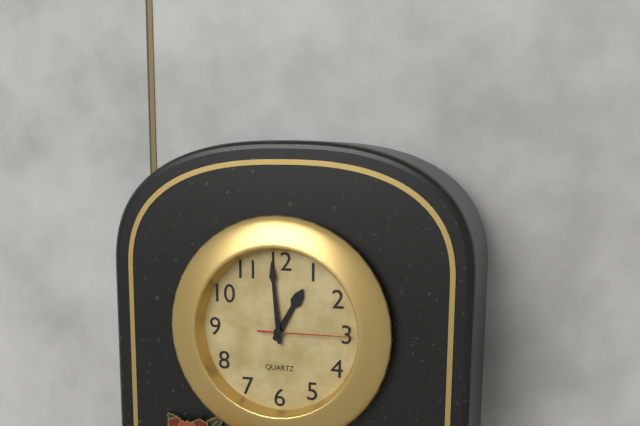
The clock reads 12h59m15s
